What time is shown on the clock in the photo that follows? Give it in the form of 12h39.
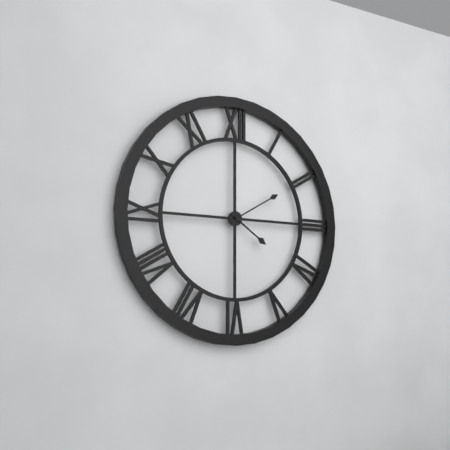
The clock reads 4h10
